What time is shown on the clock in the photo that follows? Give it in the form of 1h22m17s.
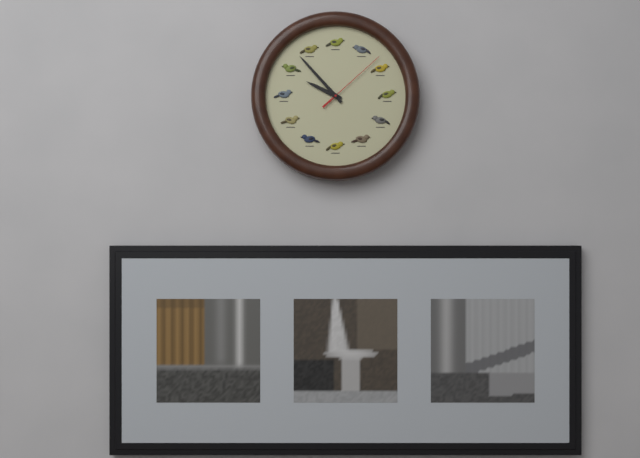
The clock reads 9h53m08s
